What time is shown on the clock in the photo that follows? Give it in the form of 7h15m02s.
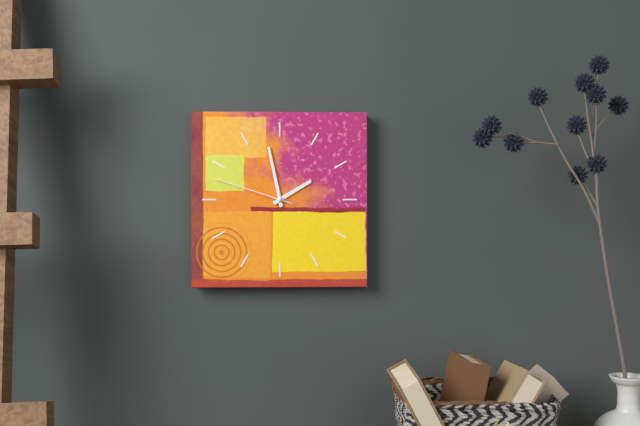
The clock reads 1h58m48s
